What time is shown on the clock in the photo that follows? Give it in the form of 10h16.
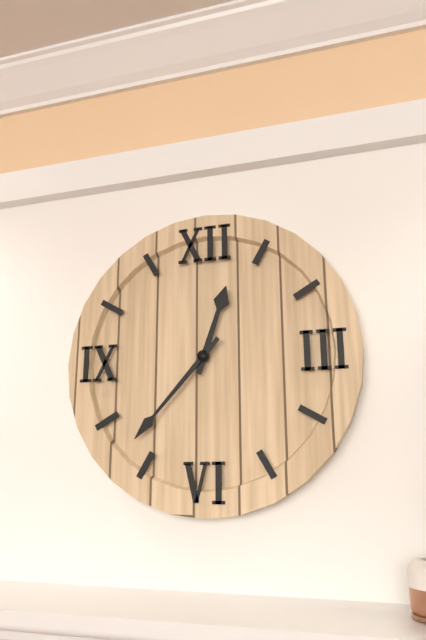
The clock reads 12h37
